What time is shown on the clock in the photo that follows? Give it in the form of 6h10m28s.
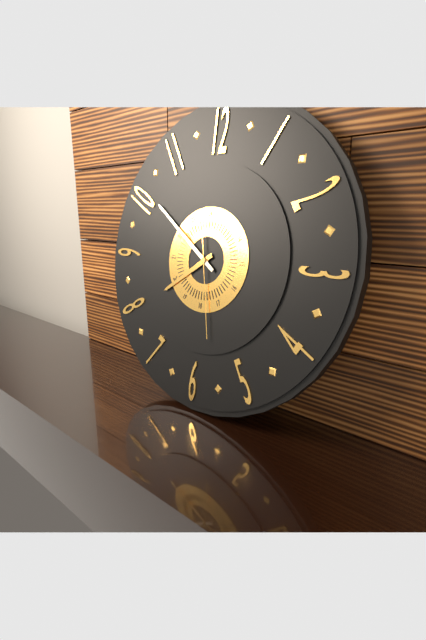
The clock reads 7h51m28s
